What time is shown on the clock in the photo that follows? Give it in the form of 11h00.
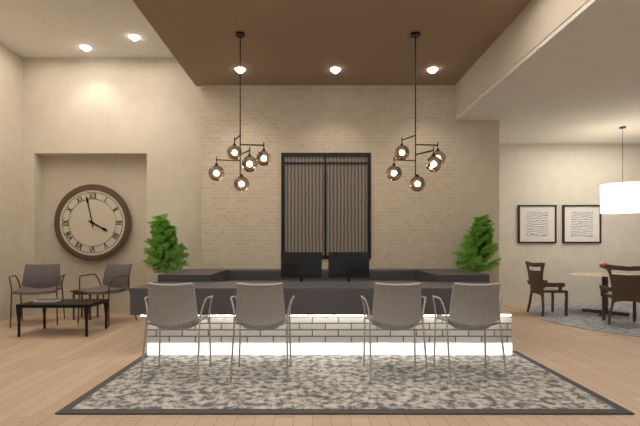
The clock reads 3h58
